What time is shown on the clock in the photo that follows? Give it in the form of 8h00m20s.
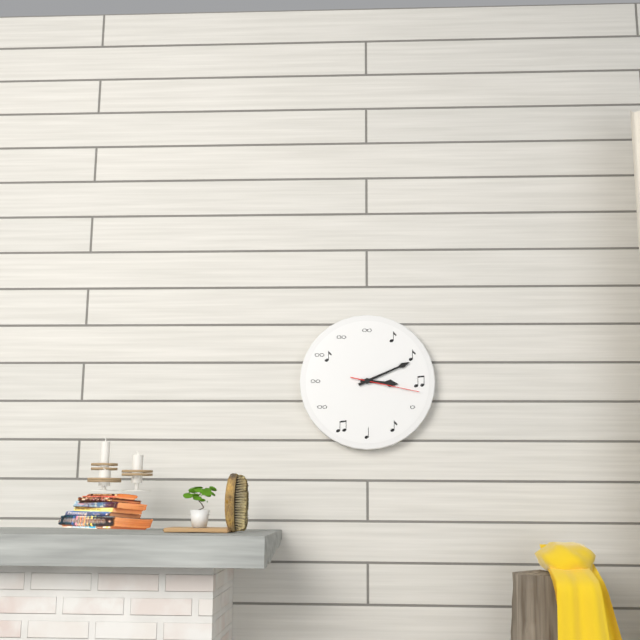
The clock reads 3h11m17s
